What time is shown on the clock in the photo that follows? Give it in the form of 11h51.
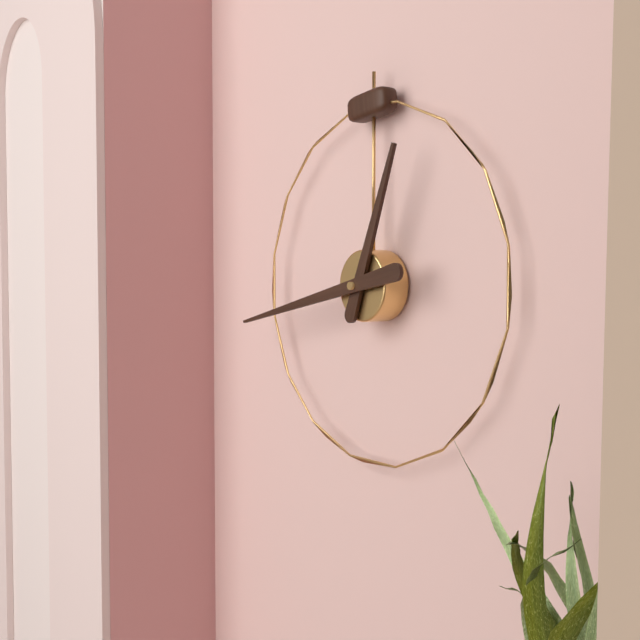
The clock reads 12h43
